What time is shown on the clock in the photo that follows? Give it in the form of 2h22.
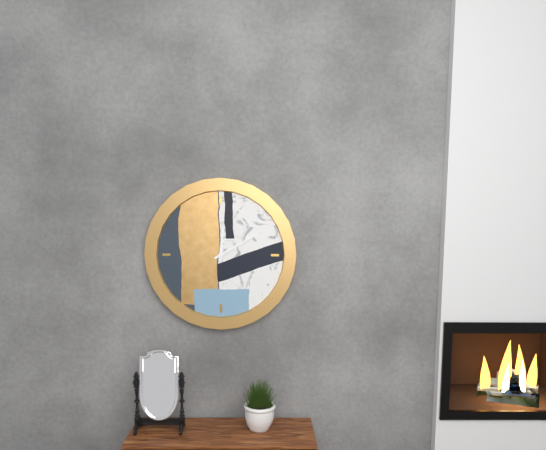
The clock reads 12h10
